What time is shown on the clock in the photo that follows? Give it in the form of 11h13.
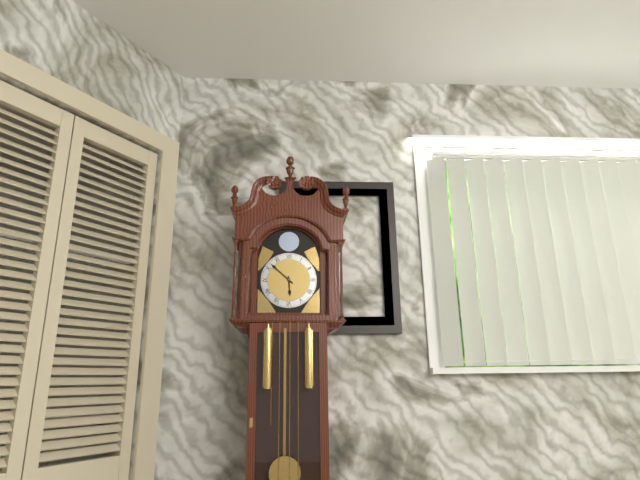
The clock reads 5h52
